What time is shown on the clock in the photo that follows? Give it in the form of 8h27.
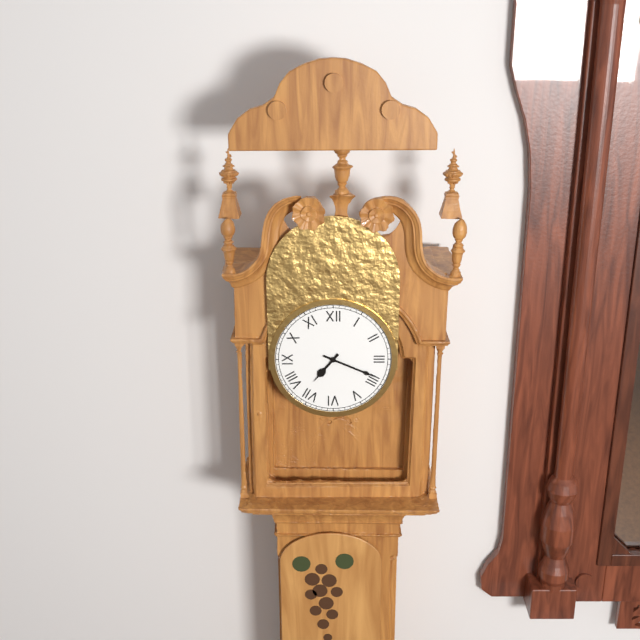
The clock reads 7h19
